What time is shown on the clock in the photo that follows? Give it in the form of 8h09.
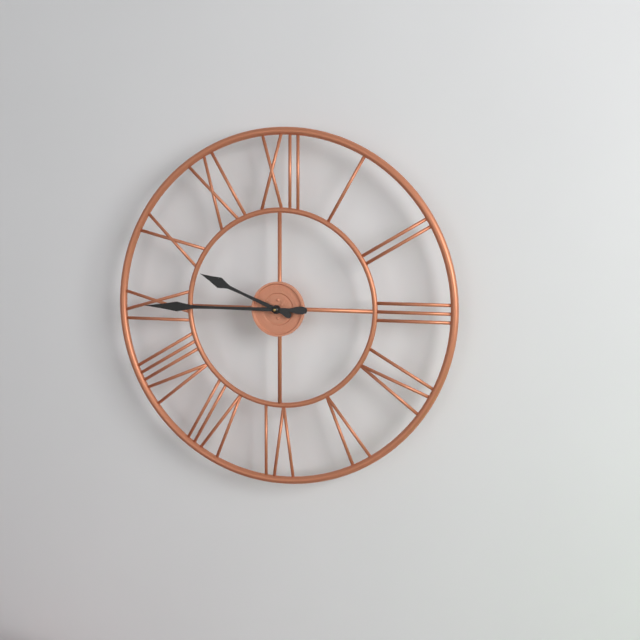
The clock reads 9h45
